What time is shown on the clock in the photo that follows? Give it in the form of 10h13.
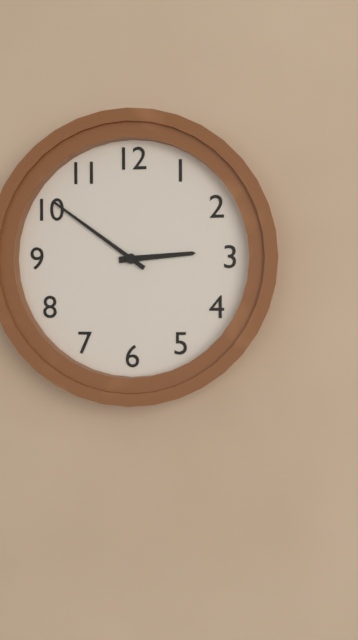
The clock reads 2h51
